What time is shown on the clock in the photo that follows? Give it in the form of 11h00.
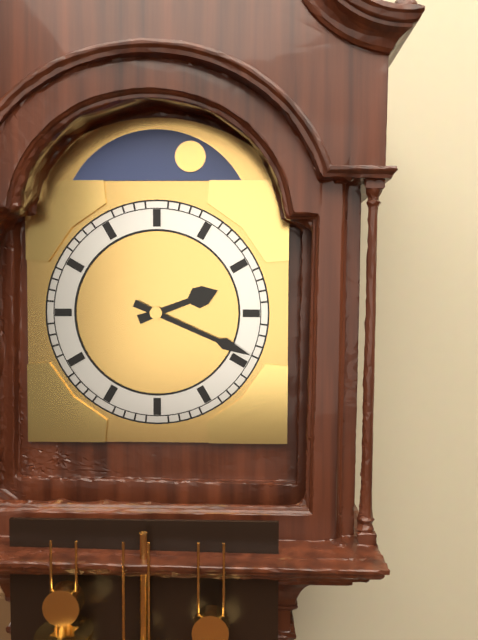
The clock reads 2h19
